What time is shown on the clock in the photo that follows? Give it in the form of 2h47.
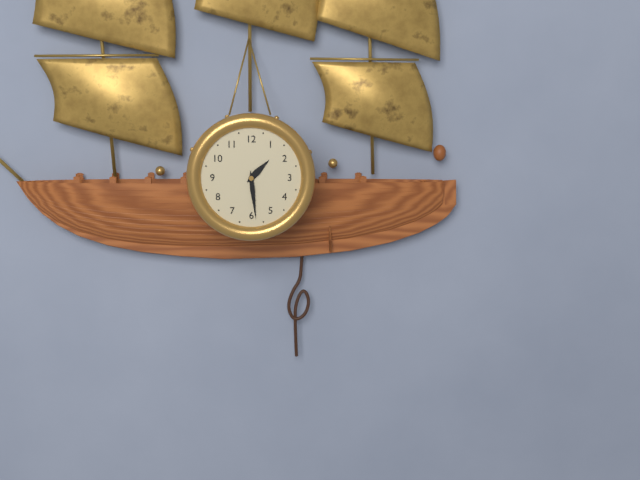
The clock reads 1h29
